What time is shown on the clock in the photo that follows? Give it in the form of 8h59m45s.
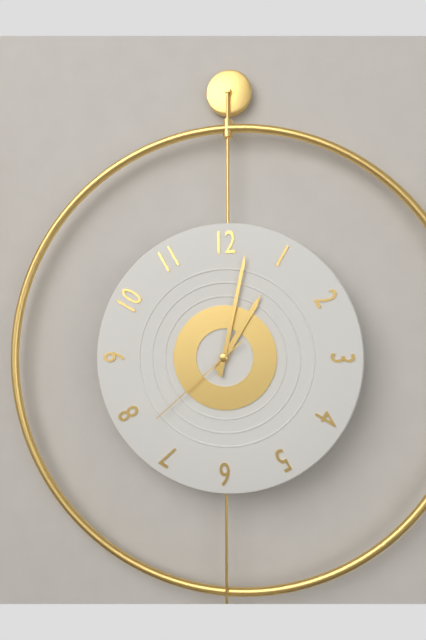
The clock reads 1h02m38s
